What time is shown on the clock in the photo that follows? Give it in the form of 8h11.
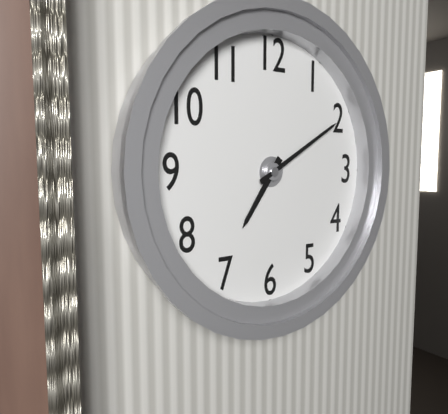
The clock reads 7h10
